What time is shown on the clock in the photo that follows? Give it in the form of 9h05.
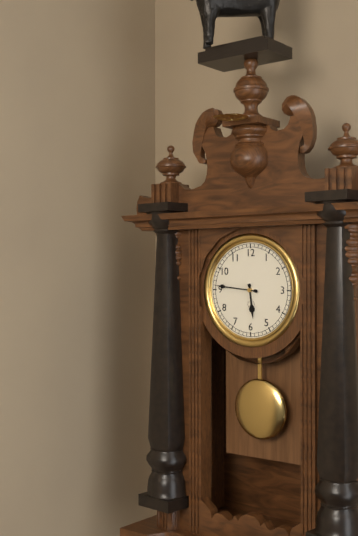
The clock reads 5h46
